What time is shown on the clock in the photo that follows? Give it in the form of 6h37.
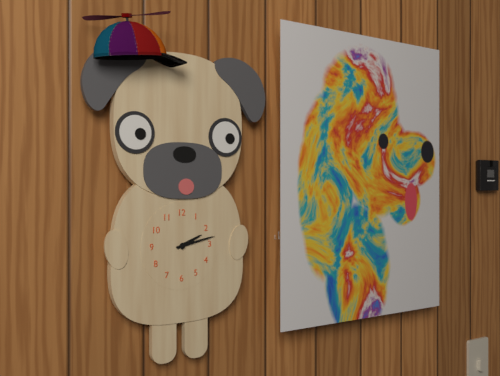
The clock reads 2h13
